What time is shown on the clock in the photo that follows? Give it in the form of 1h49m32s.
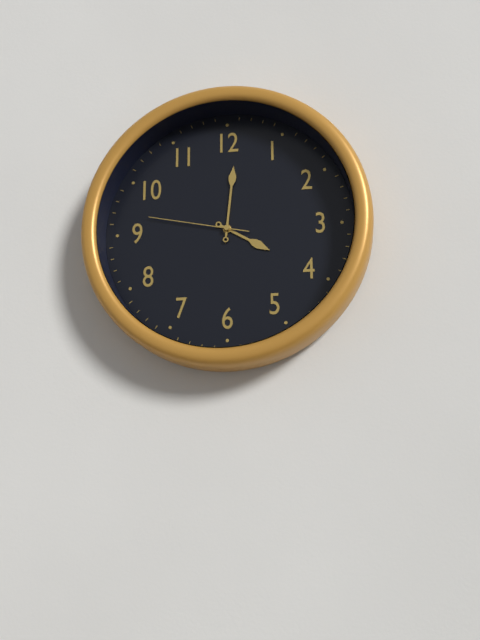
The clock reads 4h01m47s
